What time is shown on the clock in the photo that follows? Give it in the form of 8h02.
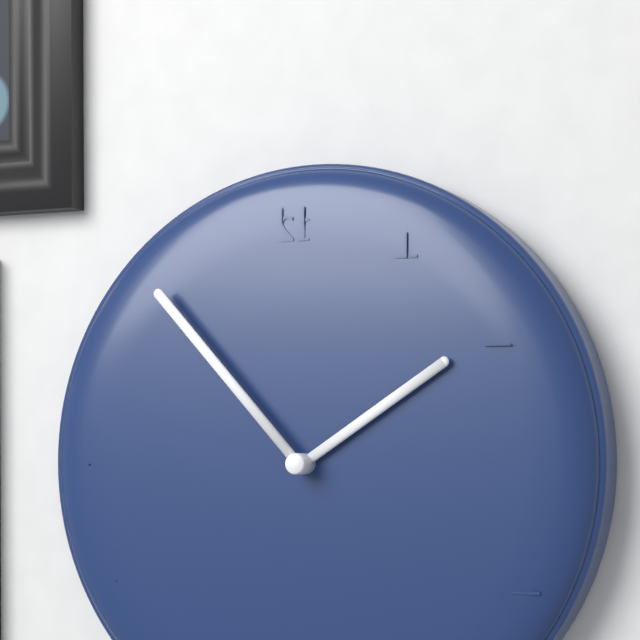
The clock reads 1h53
